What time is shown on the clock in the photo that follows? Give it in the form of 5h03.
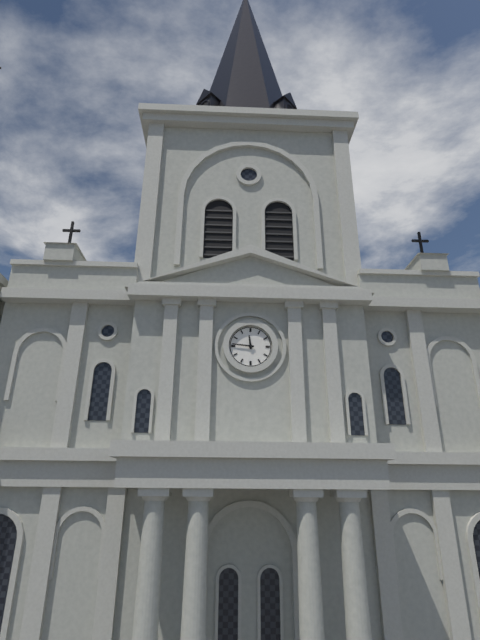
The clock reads 11h46
